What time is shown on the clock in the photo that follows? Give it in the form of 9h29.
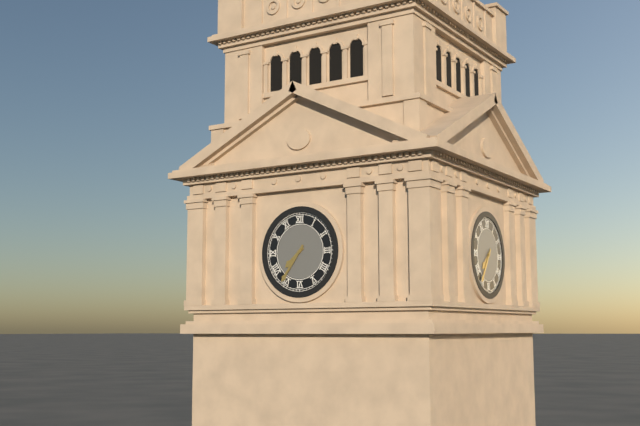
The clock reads 7h36
